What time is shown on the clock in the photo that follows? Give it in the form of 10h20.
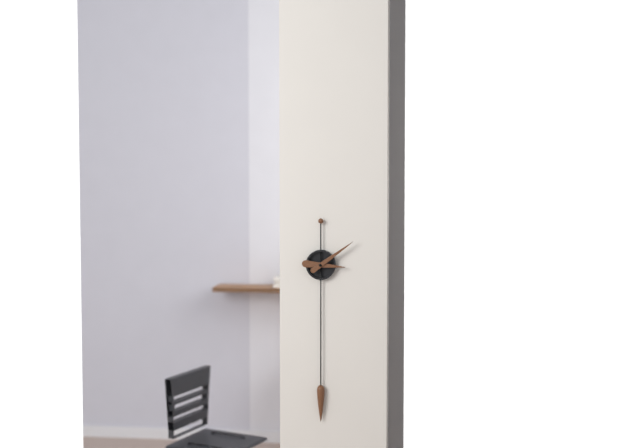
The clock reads 3h09
